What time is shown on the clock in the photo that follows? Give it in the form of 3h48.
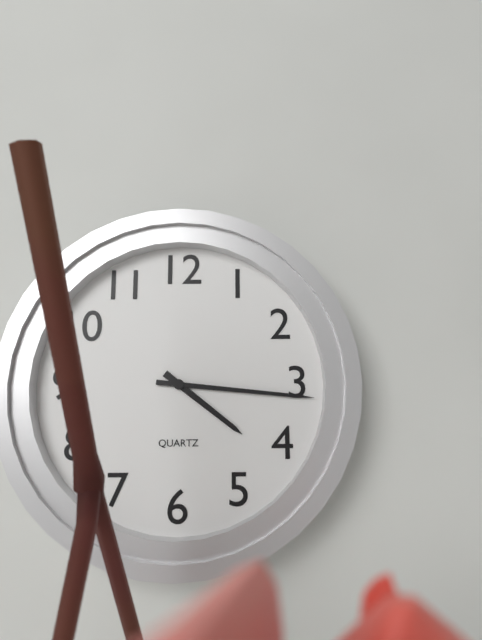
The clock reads 4h16
